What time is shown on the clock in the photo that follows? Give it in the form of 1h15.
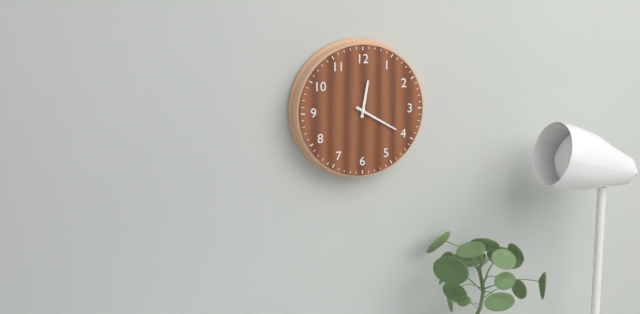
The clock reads 12h20
